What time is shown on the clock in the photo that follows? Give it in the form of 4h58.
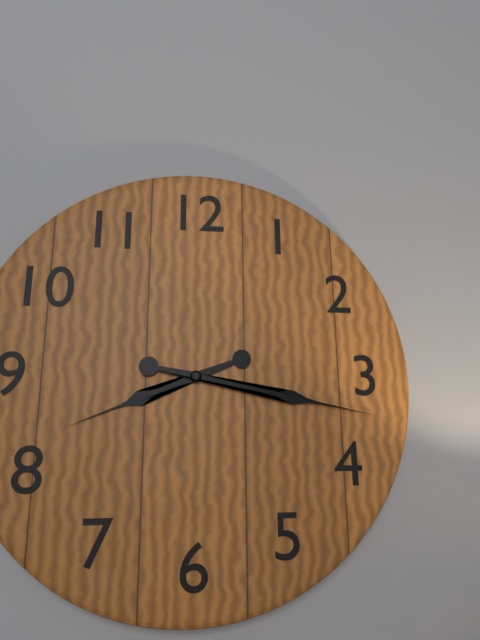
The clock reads 8h17
